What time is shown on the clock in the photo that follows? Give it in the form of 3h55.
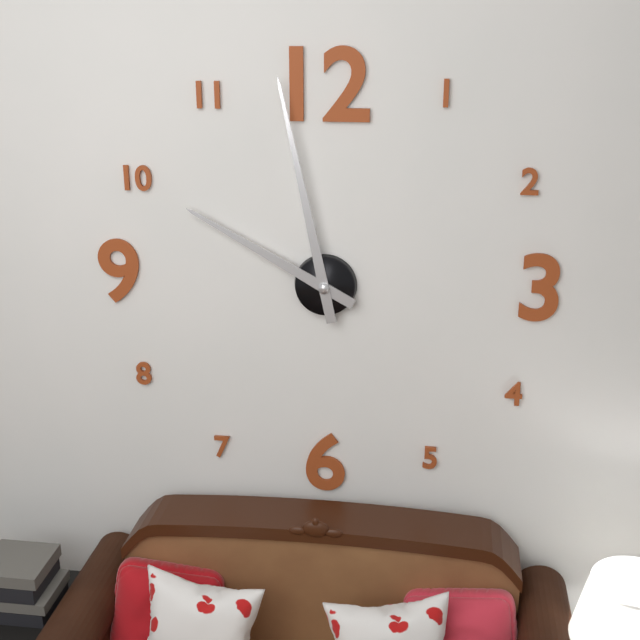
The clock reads 9h58
